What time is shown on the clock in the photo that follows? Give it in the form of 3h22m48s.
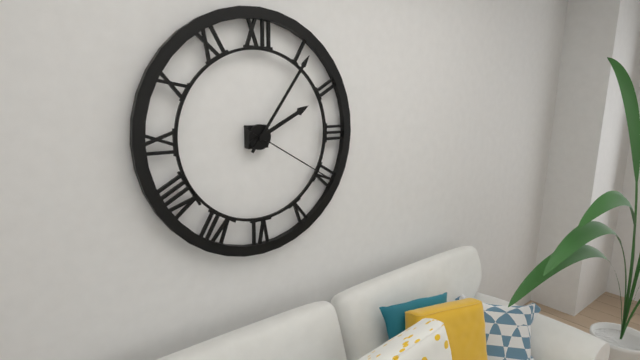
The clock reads 2h06m20s
